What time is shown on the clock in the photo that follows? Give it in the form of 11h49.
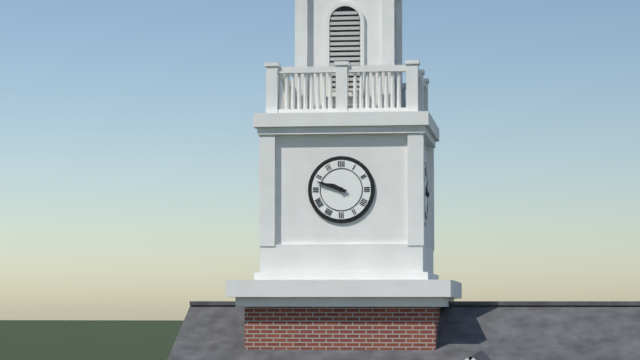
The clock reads 9h48
